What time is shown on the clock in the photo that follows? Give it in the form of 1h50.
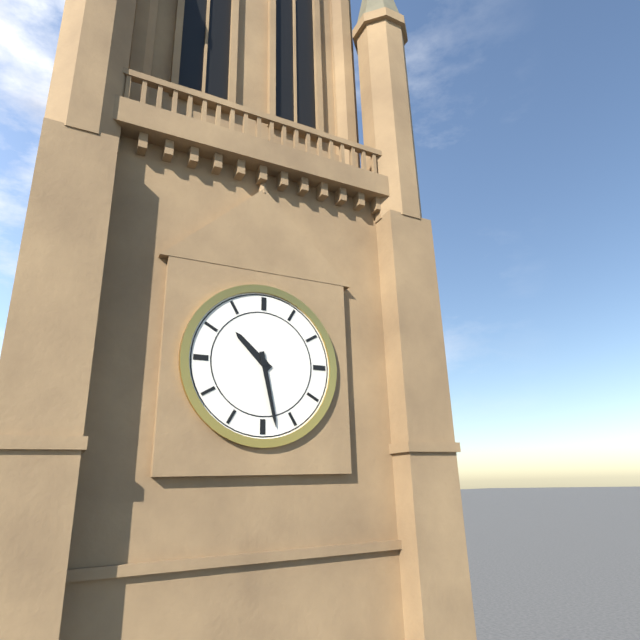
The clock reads 10h28
